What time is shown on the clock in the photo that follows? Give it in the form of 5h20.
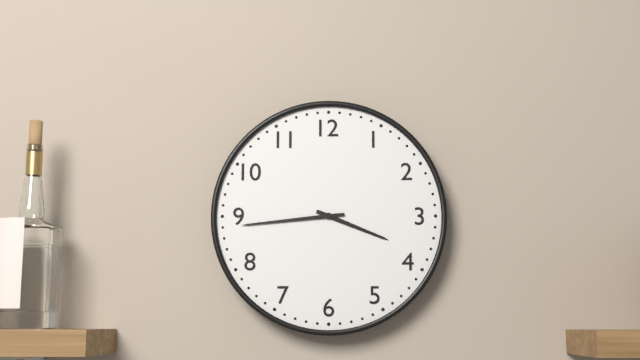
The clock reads 3h44
